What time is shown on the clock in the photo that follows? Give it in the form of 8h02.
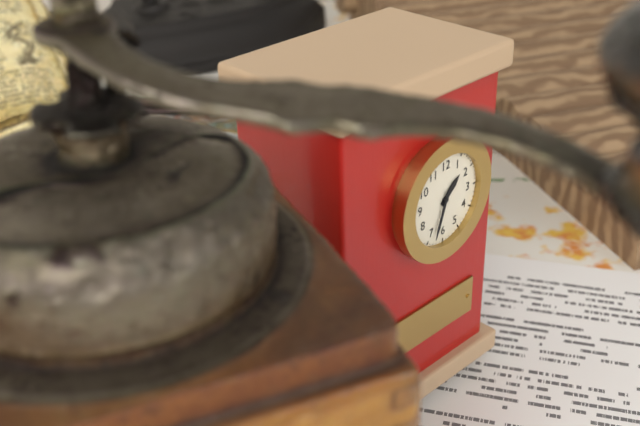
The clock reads 1h33
